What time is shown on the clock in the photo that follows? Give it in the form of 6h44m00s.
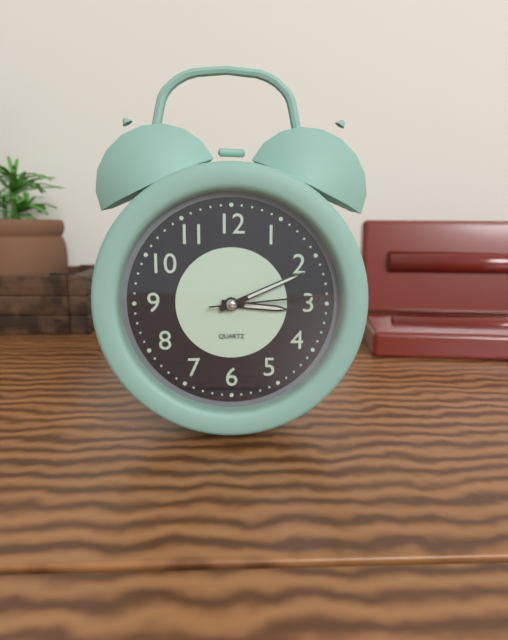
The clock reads 3h11m14s
